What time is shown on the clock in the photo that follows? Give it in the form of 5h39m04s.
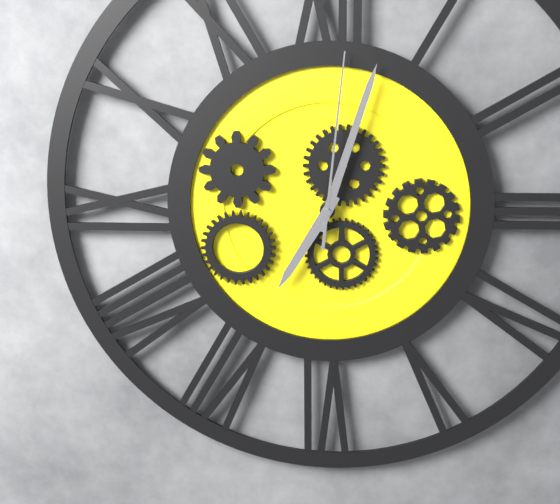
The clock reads 7h03m01s
